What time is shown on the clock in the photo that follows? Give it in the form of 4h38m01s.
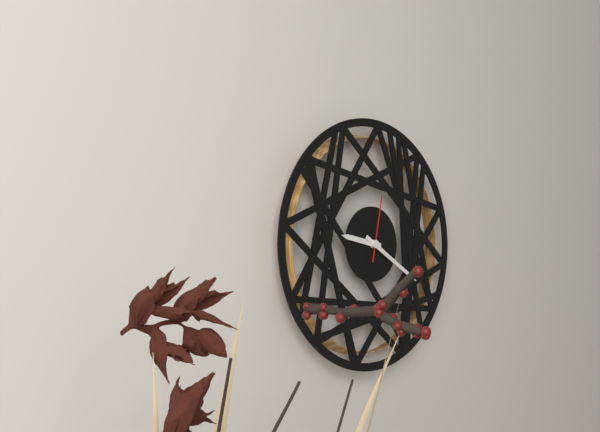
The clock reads 9h20m02s
